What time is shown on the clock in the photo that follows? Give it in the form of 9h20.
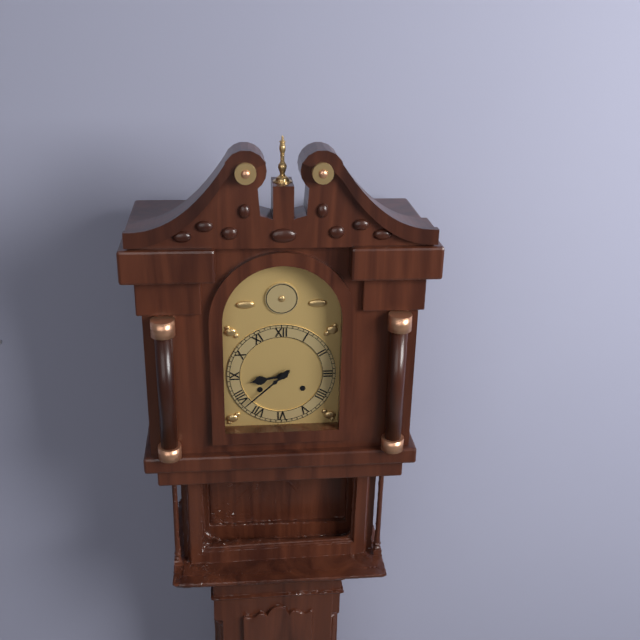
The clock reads 8h38
